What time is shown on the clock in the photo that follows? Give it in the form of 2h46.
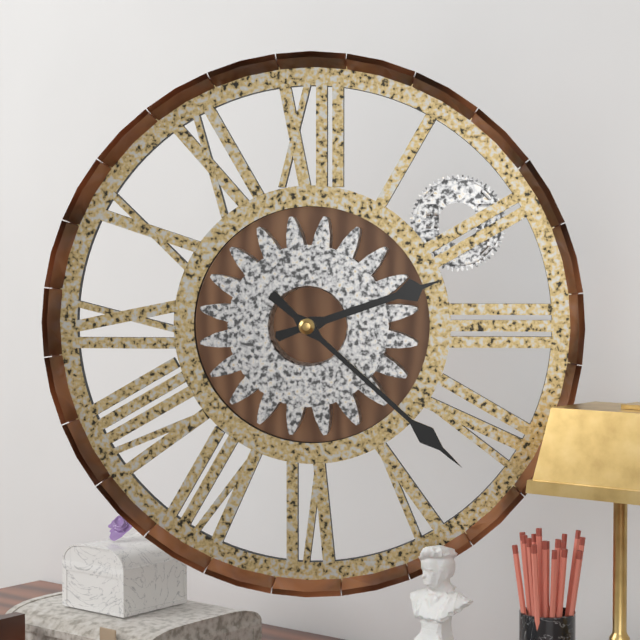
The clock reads 2h22
